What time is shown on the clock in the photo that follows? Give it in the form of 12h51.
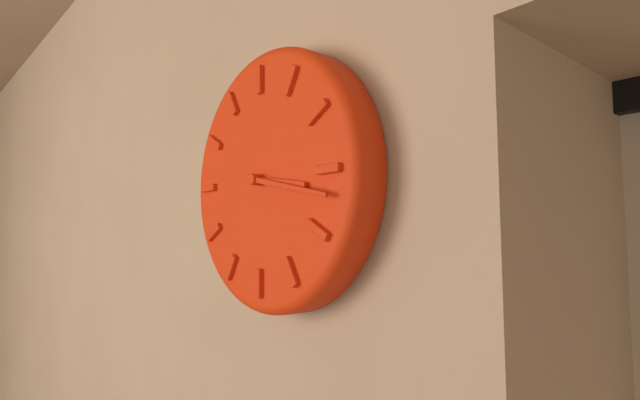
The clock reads 3h17
